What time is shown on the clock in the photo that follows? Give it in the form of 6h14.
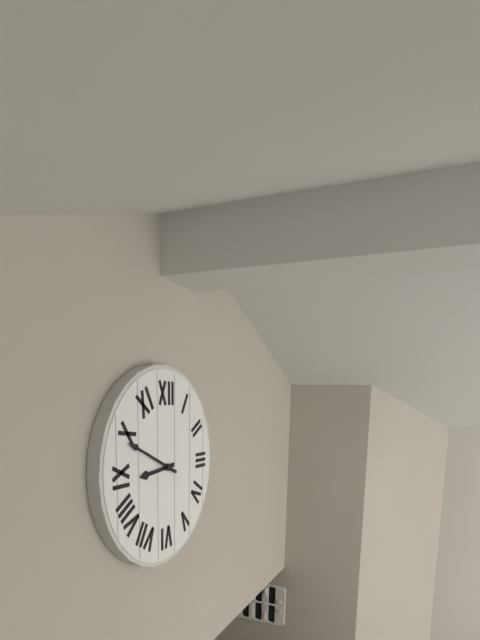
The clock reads 8h49
